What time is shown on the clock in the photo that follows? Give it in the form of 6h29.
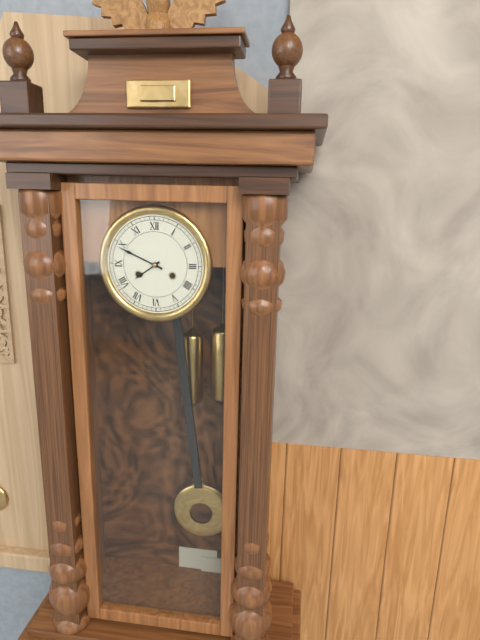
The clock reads 7h49
